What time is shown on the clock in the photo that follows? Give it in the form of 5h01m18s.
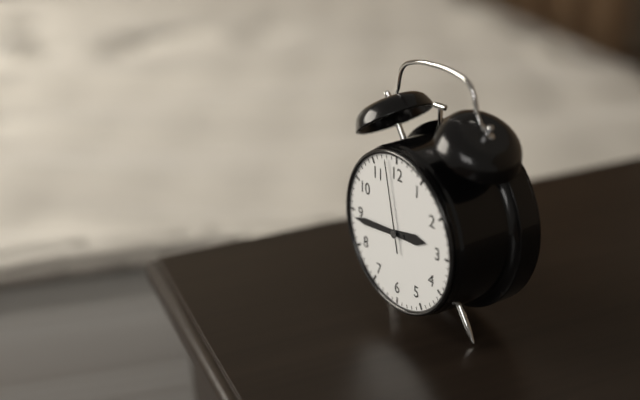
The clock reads 2h44m58s
